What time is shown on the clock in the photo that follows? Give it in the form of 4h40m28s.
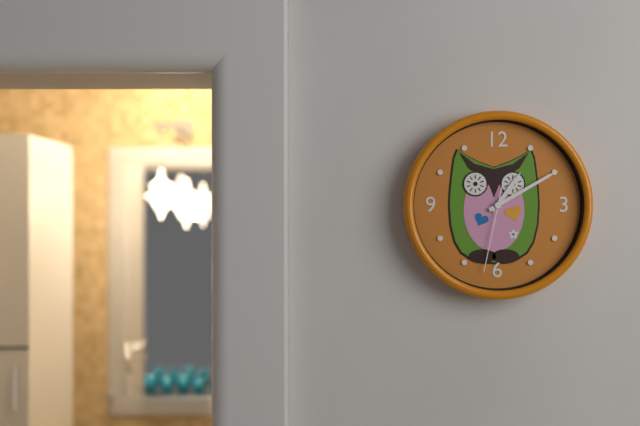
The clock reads 1h10m32s
